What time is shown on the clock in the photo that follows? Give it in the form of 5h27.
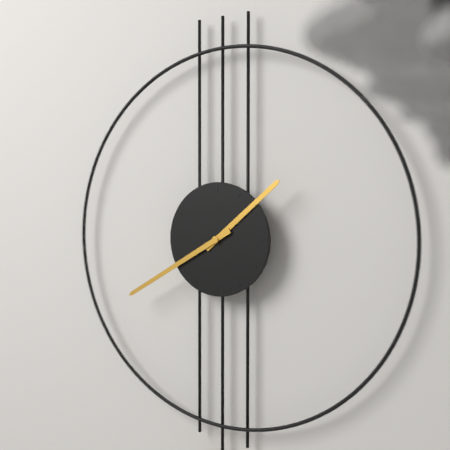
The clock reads 1h40
